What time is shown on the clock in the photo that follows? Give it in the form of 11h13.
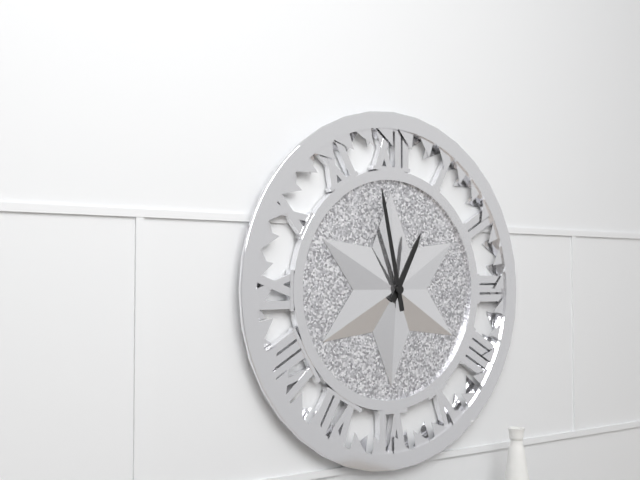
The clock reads 12h58
